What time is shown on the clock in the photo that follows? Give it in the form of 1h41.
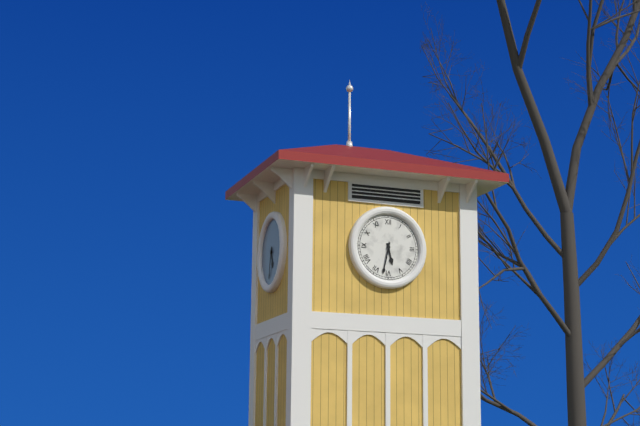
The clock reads 5h32
